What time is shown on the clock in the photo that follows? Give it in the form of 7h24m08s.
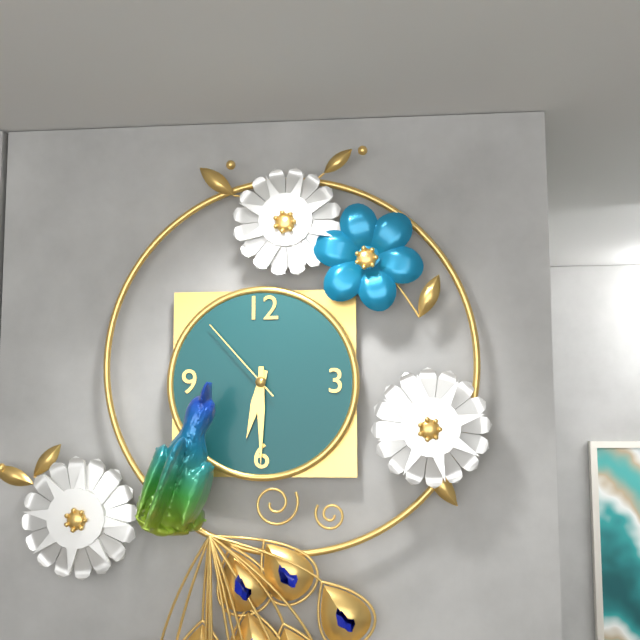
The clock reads 6h30m53s
